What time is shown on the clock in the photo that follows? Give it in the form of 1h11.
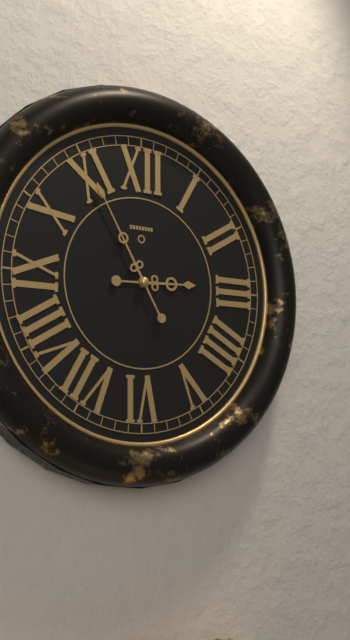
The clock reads 2h55
